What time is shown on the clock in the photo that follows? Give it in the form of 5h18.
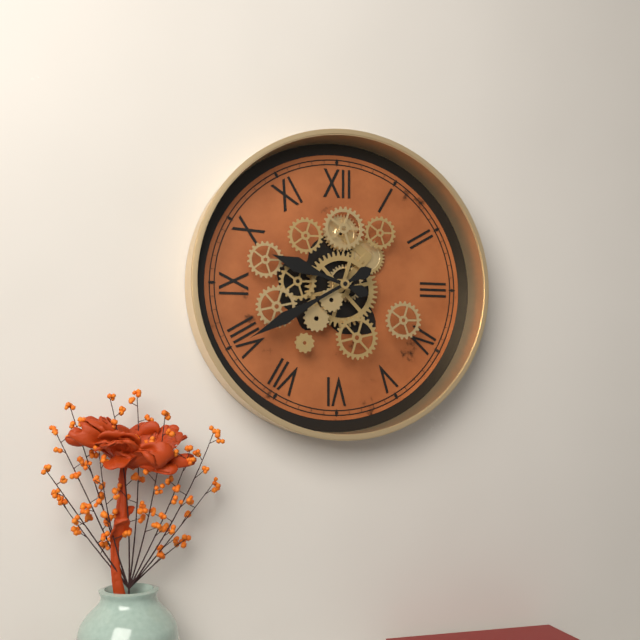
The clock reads 9h40
